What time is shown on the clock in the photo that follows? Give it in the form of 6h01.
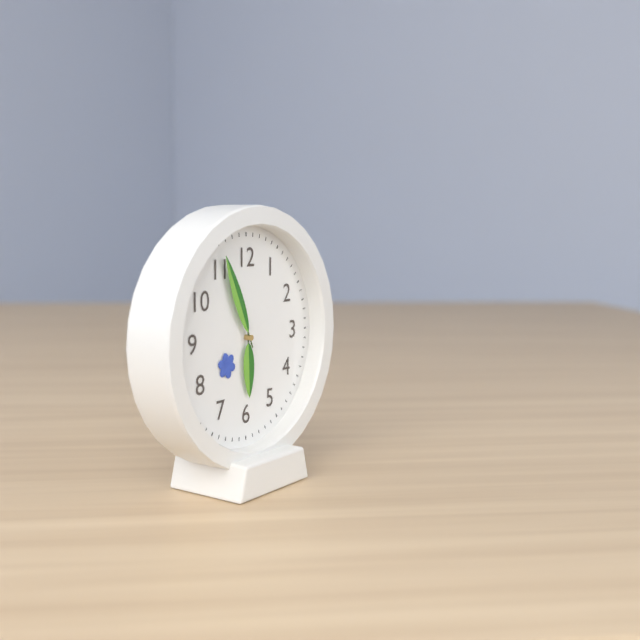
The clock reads 5h56
